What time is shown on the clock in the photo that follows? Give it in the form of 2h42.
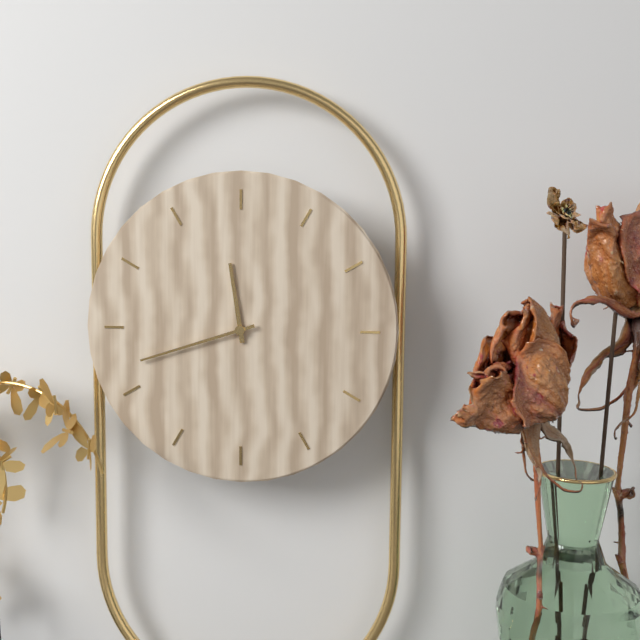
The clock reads 11h42
